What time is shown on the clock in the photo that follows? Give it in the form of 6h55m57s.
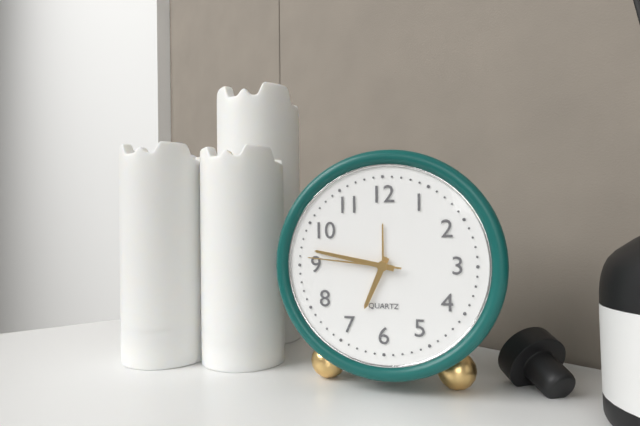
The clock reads 6h47m46s
